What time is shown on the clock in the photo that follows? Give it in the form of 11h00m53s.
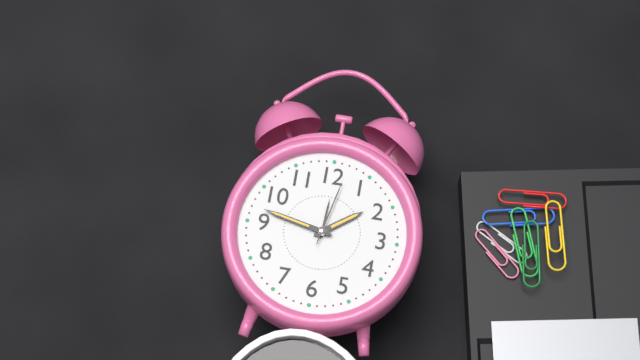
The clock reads 1h47m02s
